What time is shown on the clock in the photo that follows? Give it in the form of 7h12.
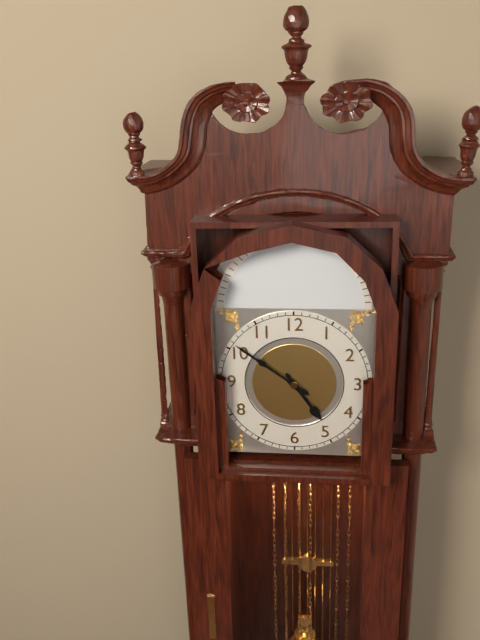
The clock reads 4h51
